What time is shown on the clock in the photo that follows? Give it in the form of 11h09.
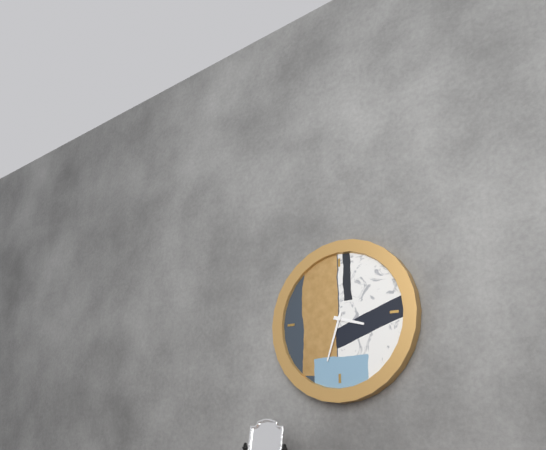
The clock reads 3h33
